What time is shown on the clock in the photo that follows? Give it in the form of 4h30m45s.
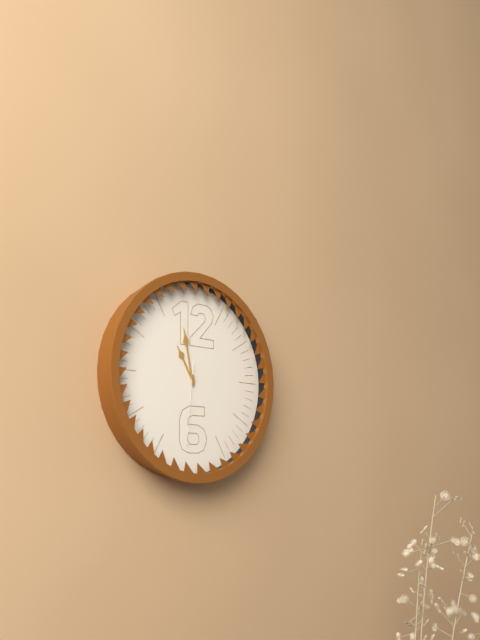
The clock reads 10h58m31s
